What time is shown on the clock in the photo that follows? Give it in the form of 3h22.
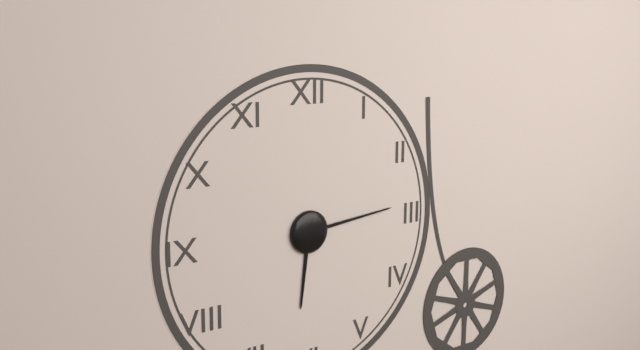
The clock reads 6h14
